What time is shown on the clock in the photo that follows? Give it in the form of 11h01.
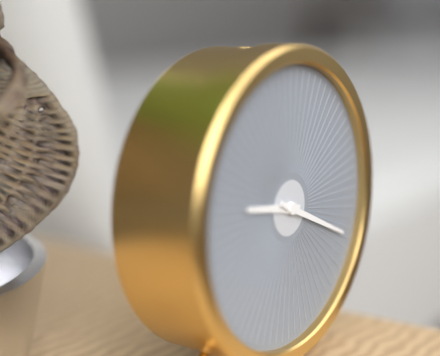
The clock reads 9h19
